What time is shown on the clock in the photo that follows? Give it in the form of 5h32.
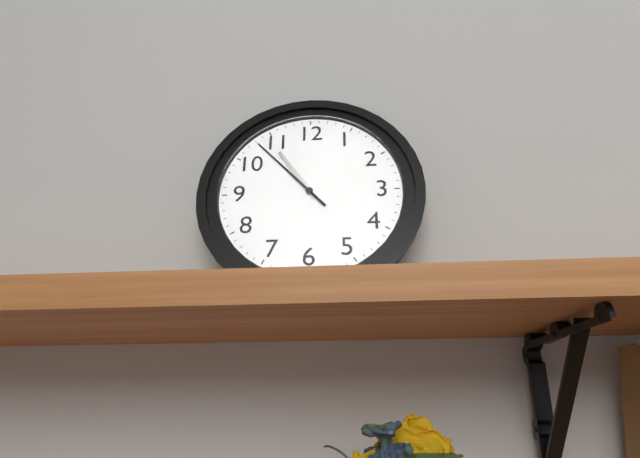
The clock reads 10h53
